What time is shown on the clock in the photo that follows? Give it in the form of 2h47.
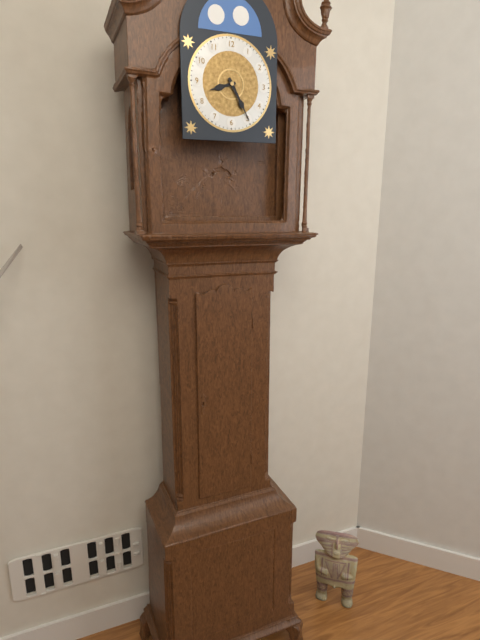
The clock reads 8h25
